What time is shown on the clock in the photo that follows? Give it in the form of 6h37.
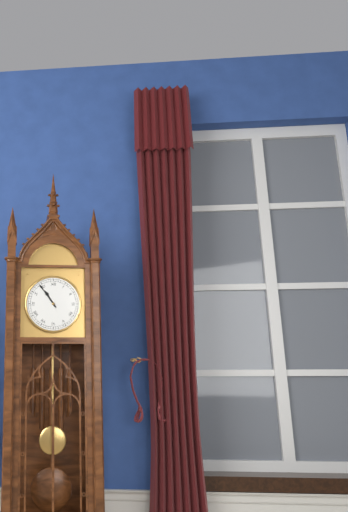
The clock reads 10h54
